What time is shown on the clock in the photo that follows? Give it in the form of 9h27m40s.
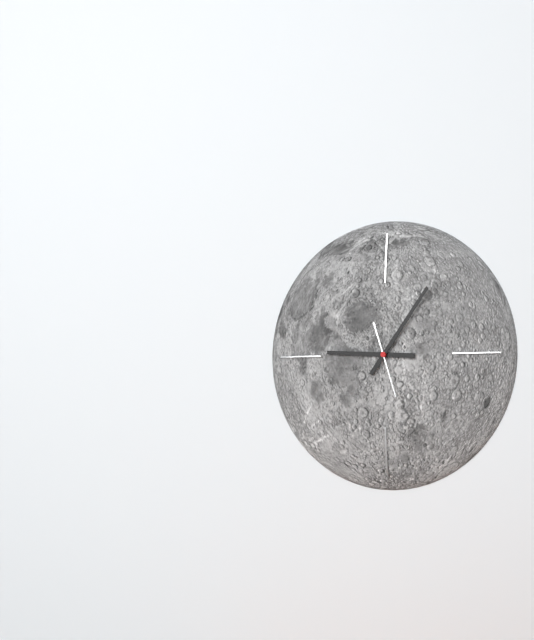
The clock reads 9h06m27s
